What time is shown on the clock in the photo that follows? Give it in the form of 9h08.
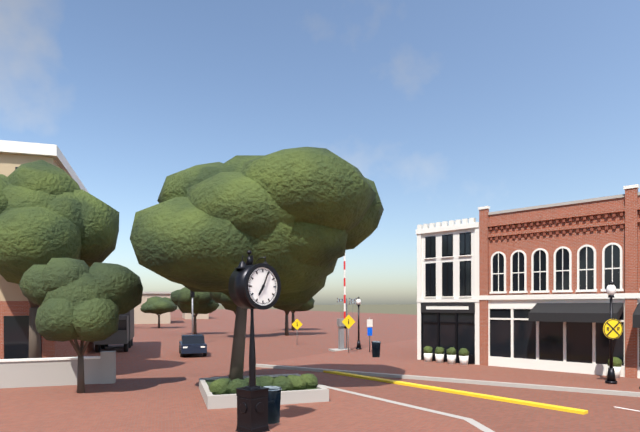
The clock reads 7h04
